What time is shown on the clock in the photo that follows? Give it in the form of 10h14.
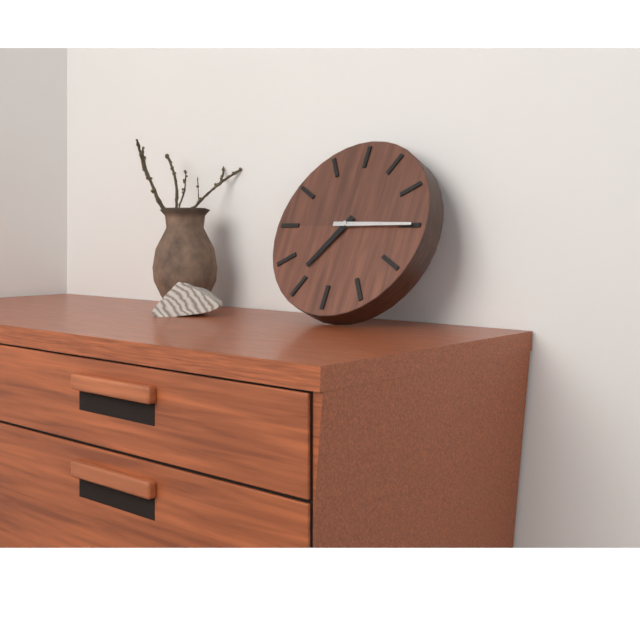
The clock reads 7h15
